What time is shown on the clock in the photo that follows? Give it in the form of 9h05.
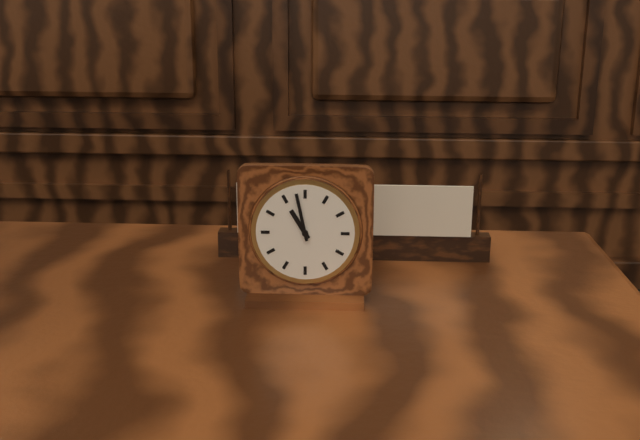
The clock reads 10h58
